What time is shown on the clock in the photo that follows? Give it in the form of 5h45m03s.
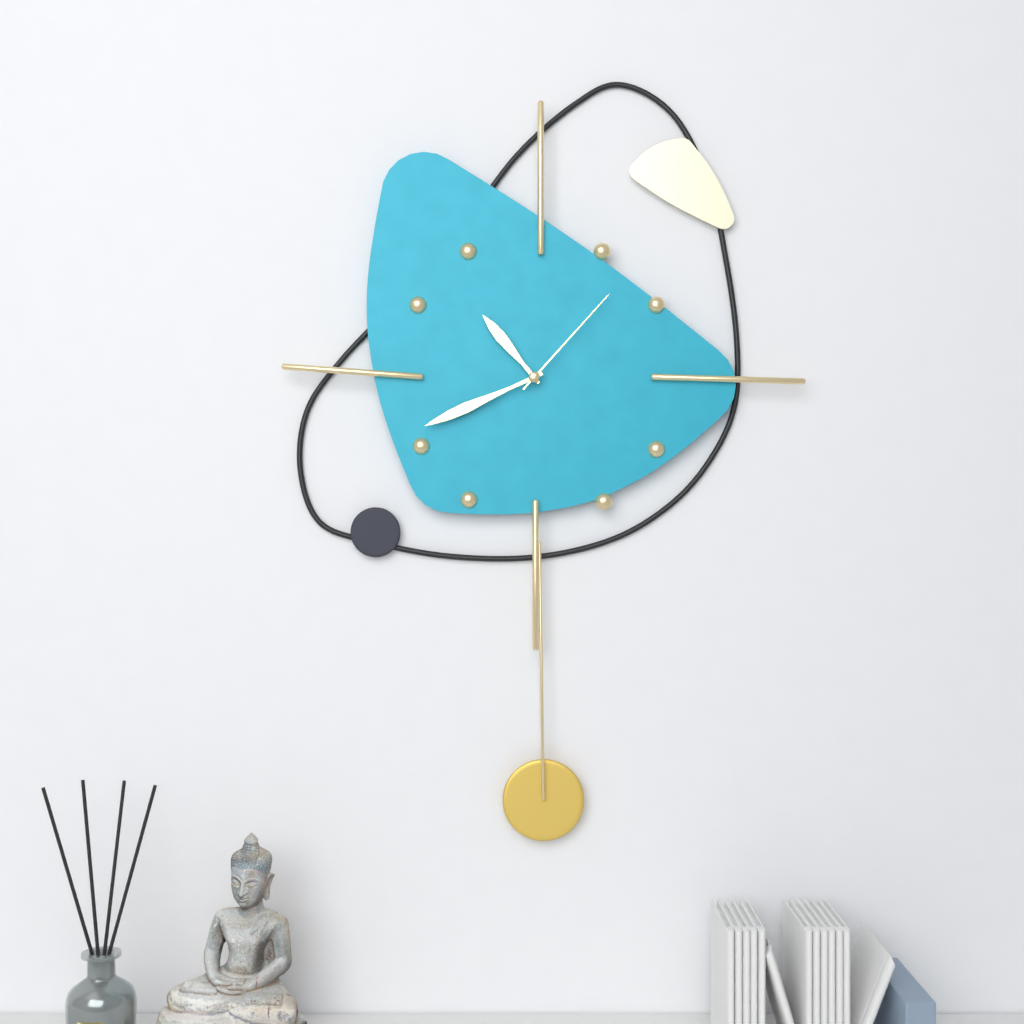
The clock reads 10h41m07s
